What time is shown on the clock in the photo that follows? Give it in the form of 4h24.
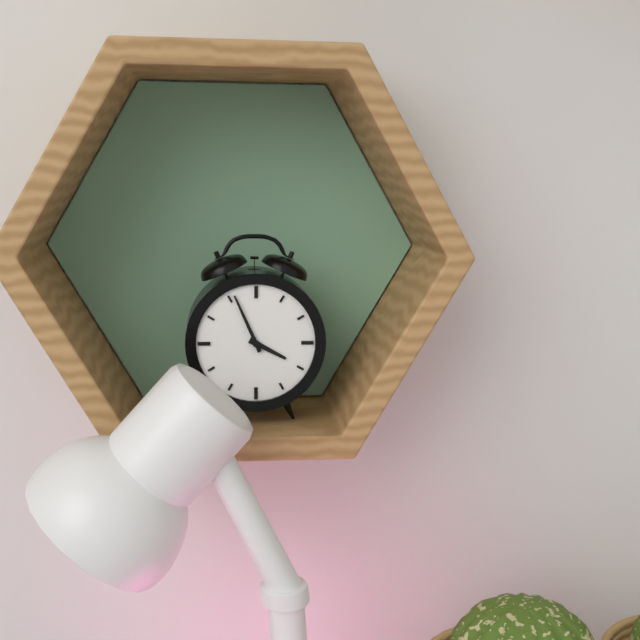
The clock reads 3h56
